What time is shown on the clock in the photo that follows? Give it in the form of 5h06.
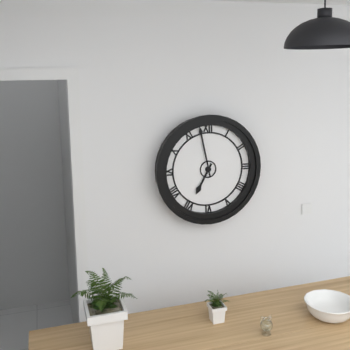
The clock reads 6h58
